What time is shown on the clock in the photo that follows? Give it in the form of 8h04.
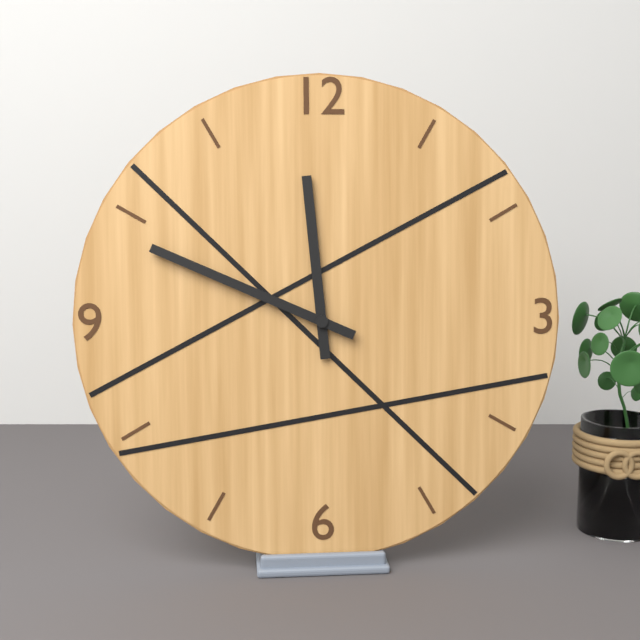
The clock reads 11h49
